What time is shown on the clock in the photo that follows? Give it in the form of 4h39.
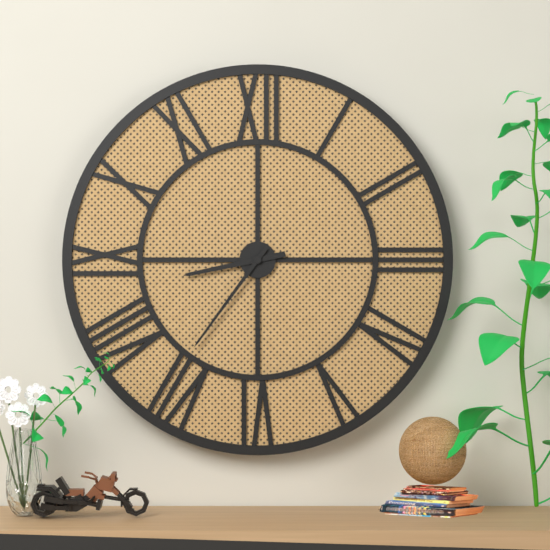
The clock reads 8h36
